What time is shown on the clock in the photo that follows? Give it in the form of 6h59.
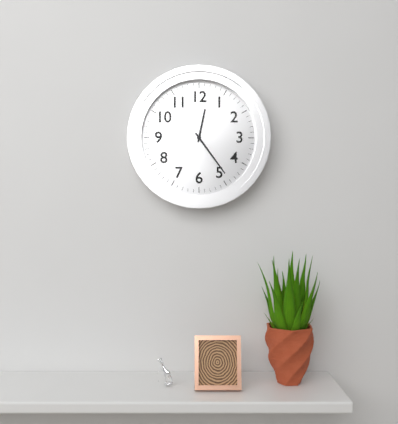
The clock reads 12h24
